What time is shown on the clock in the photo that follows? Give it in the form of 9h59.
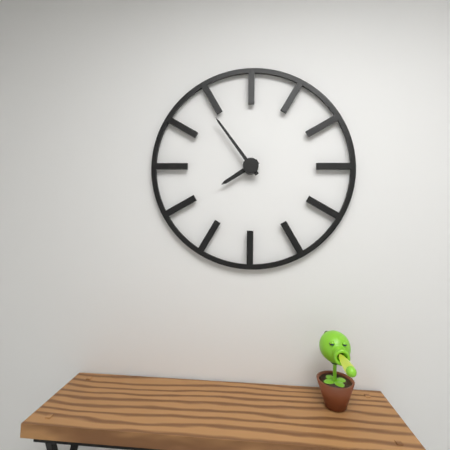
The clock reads 7h54
